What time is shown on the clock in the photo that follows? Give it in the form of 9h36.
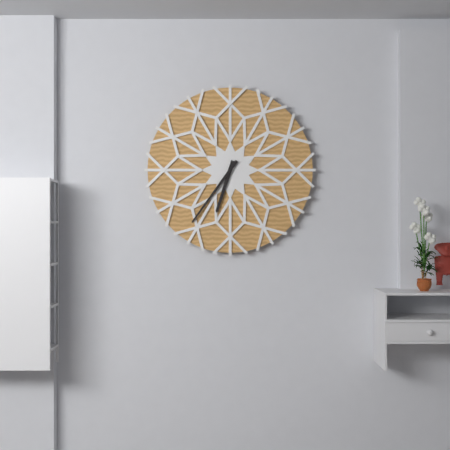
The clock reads 6h36
